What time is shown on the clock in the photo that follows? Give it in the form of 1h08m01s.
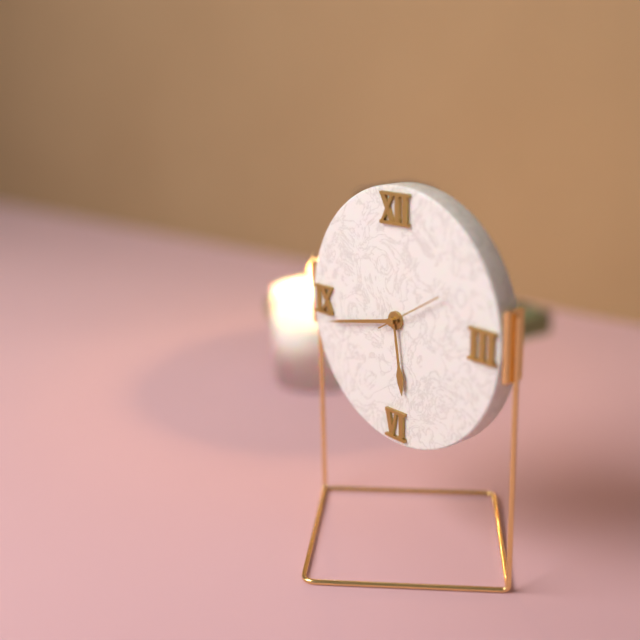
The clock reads 5h43m10s
